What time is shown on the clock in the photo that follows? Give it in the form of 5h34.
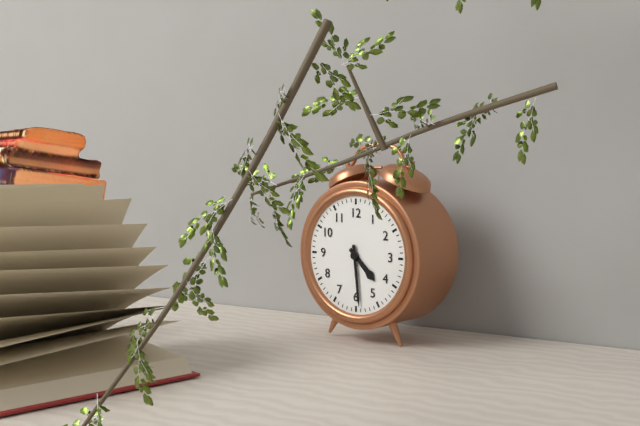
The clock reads 4h29
